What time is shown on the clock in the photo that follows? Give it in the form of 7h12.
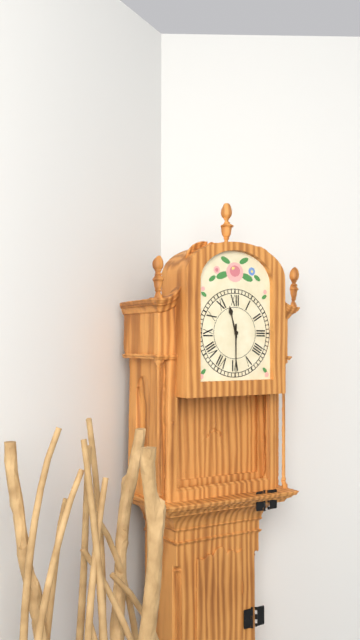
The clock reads 11h30
